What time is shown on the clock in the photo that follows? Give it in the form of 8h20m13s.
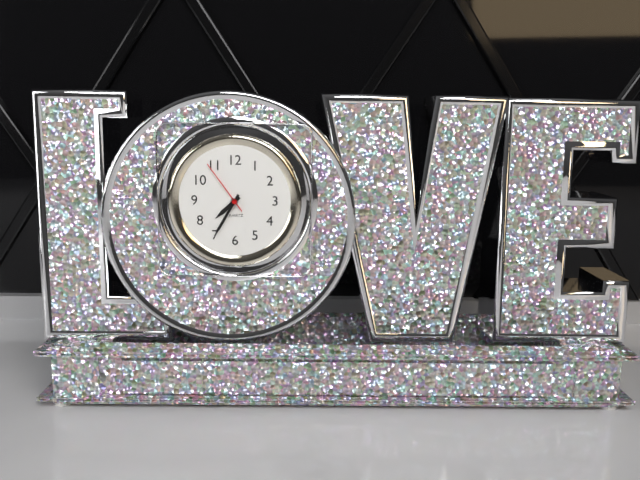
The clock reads 7h35m54s
